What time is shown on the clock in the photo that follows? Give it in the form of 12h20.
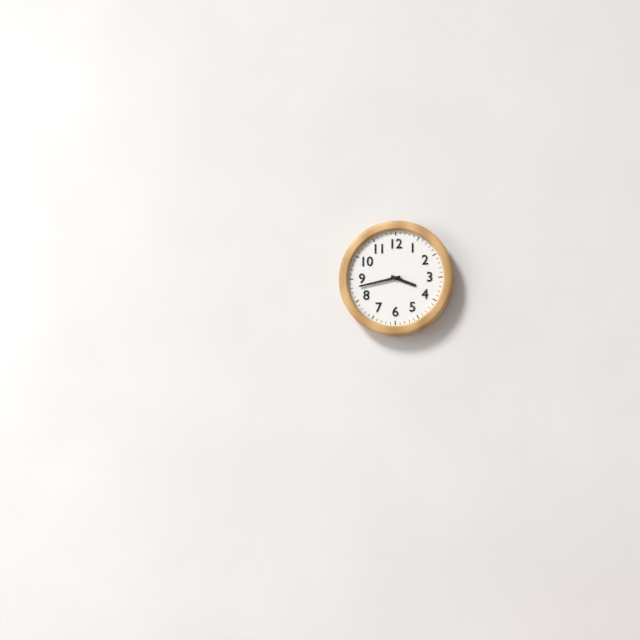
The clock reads 3h43
